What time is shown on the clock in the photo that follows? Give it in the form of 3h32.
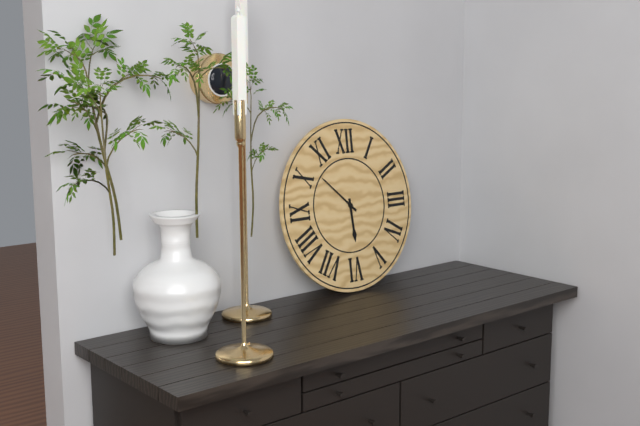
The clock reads 5h52
